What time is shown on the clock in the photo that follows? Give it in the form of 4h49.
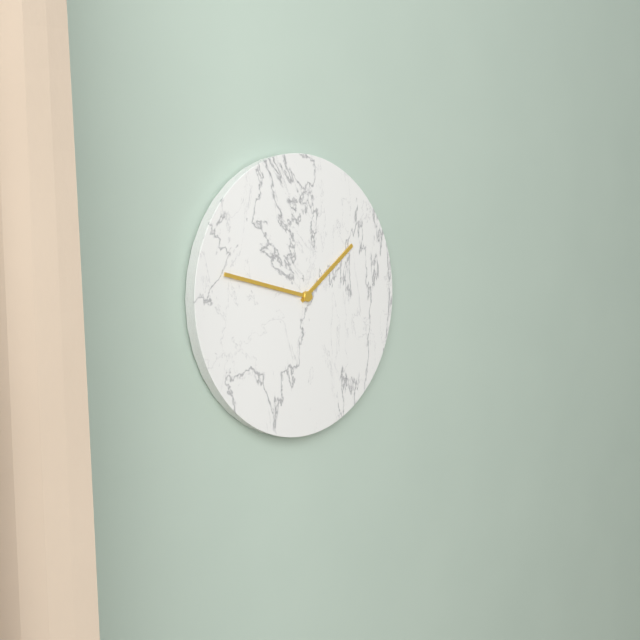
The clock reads 1h47
